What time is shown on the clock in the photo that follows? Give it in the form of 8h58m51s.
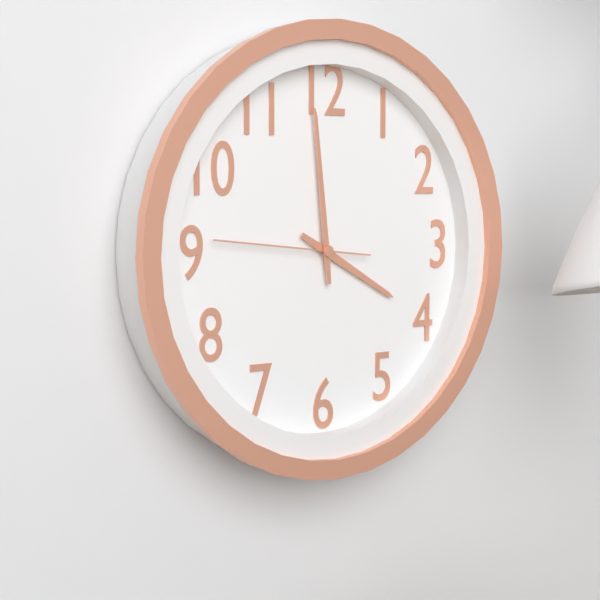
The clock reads 3h59m46s
